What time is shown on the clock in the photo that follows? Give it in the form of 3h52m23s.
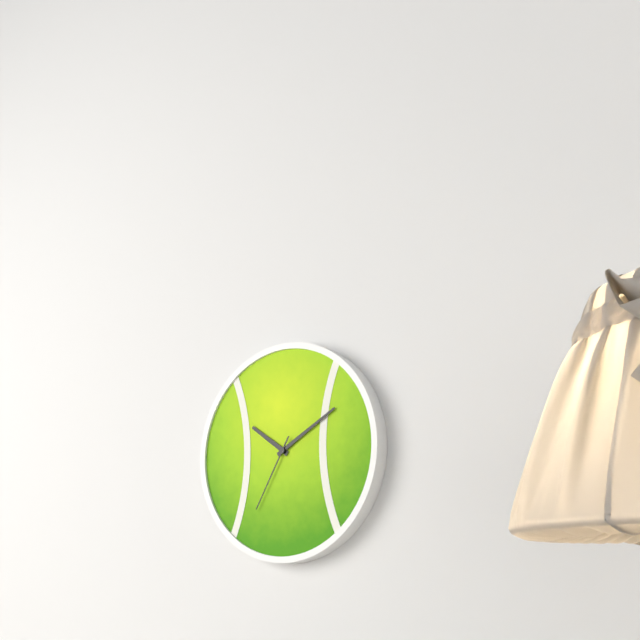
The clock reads 10h10m35s
